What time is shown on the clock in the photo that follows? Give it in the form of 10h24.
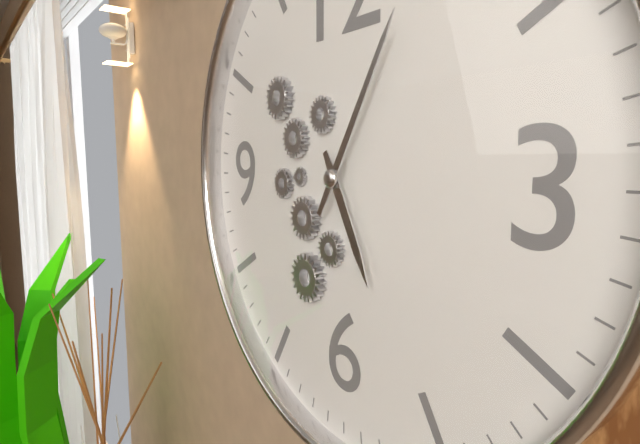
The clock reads 5h05
